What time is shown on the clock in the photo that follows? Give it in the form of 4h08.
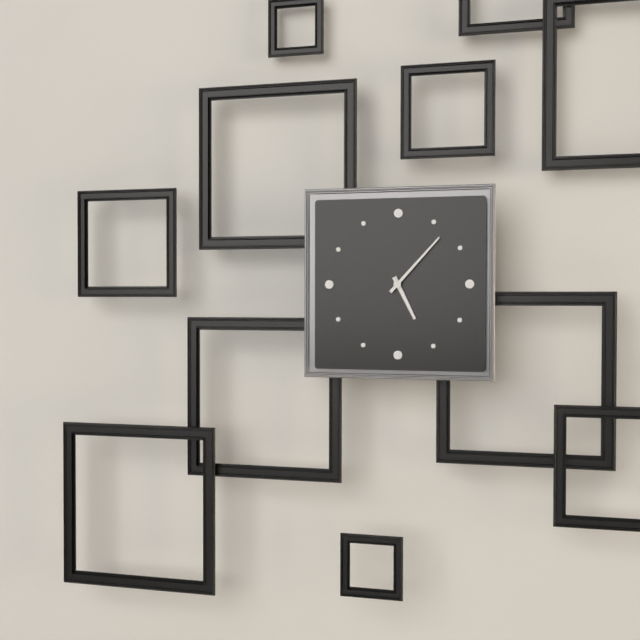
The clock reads 5h07
